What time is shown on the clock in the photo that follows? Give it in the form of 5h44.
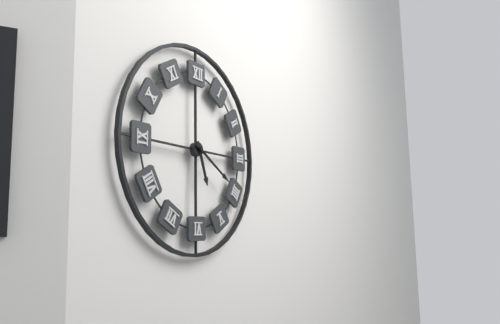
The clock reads 5h20
